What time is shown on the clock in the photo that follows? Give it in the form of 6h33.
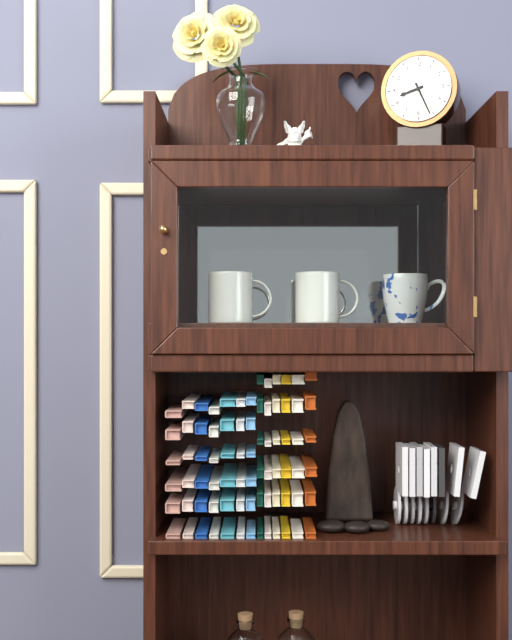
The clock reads 8h26
